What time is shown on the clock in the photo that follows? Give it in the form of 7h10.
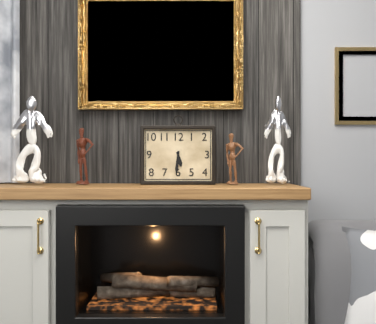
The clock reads 5h31
